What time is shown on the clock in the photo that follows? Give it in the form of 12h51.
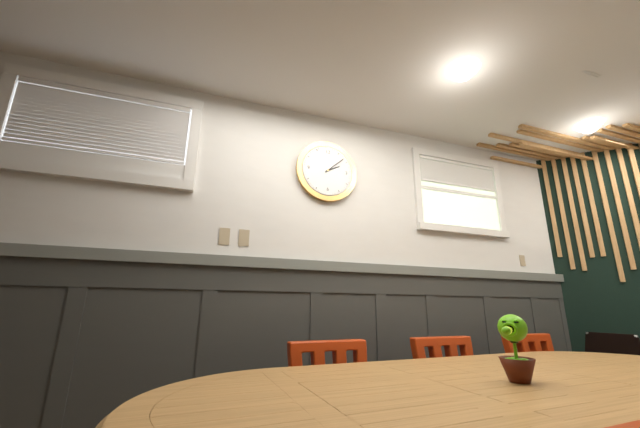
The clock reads 2h08
